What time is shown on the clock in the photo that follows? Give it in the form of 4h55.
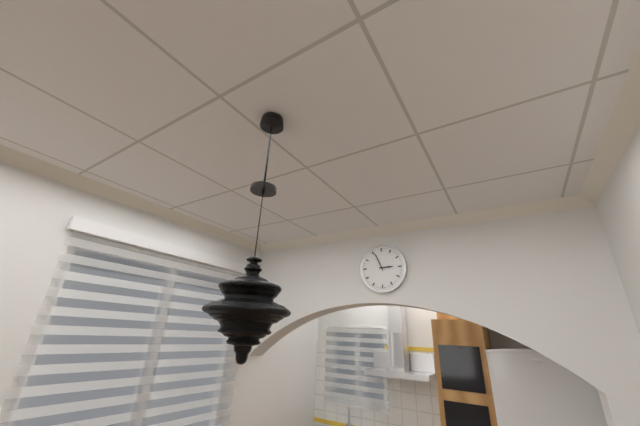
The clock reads 2h56
